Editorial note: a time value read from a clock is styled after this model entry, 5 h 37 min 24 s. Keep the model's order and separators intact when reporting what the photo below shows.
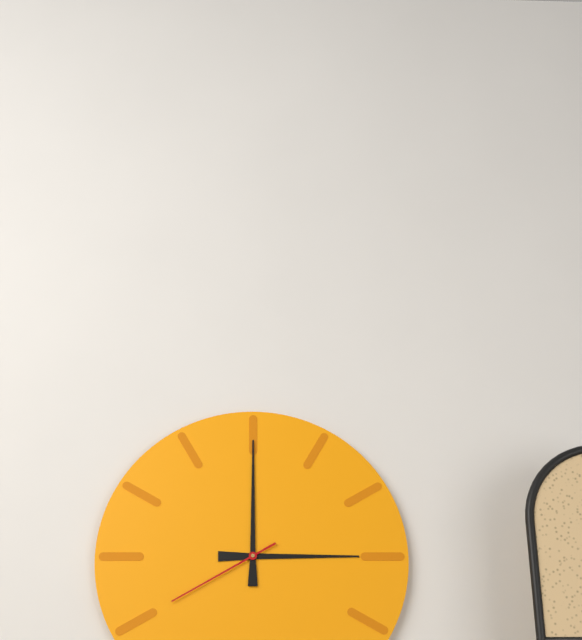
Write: 3 h 00 min 40 s
